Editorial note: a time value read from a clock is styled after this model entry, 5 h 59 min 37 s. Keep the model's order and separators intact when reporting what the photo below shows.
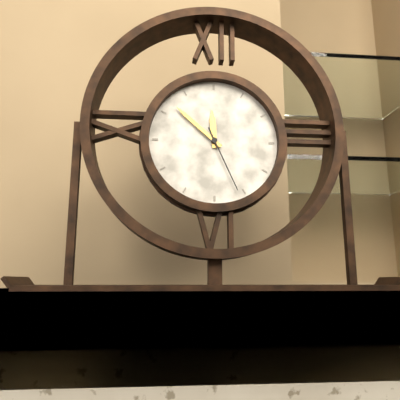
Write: 11 h 52 min 26 s
